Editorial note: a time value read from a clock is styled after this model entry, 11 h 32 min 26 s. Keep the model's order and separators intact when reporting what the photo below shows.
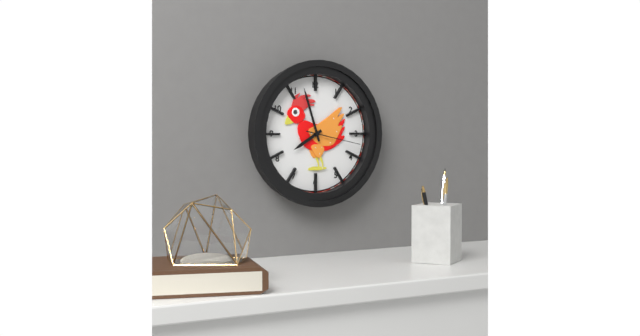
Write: 7 h 57 min 17 s
